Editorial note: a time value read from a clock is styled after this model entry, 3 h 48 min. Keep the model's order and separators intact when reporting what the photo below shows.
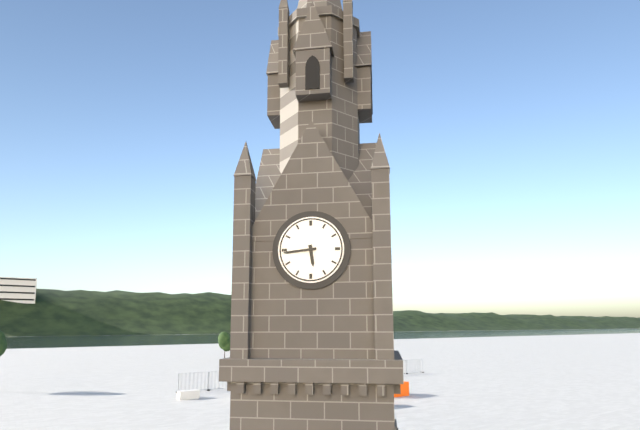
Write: 5 h 44 min
